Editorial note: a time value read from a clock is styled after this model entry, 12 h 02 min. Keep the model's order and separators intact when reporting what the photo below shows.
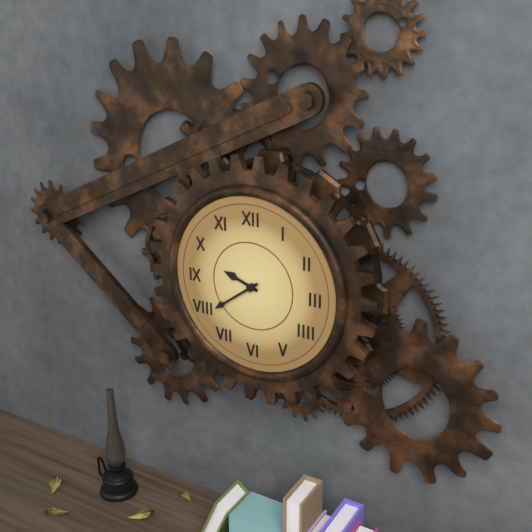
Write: 9 h 39 min
